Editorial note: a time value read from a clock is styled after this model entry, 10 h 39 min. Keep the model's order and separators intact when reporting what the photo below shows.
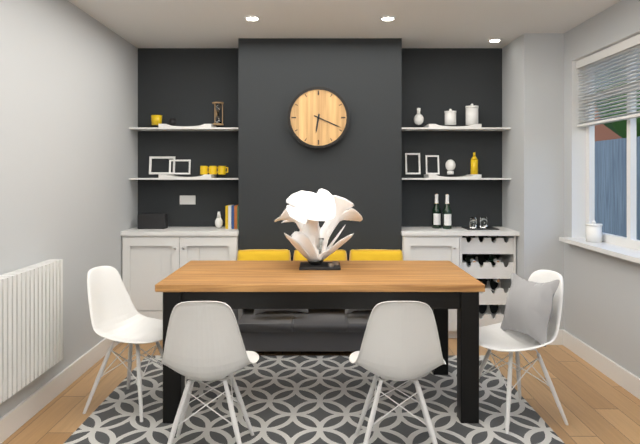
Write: 6 h 19 min
